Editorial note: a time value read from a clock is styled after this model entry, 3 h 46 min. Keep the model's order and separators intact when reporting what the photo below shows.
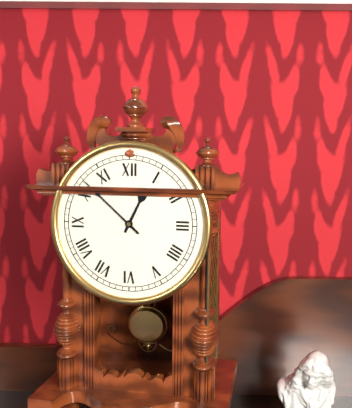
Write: 12 h 52 min
